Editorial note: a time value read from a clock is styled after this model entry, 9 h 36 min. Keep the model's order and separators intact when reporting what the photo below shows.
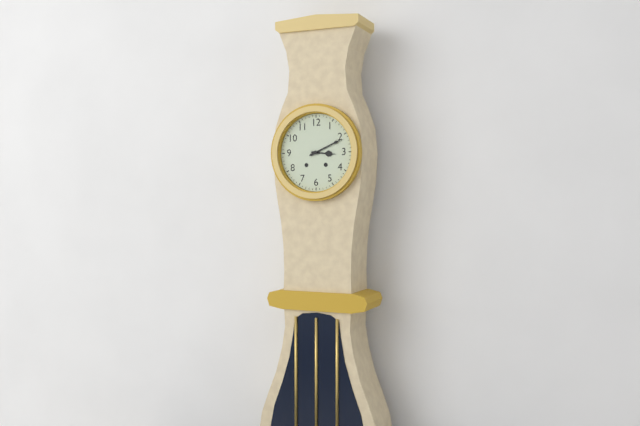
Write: 3 h 11 min
